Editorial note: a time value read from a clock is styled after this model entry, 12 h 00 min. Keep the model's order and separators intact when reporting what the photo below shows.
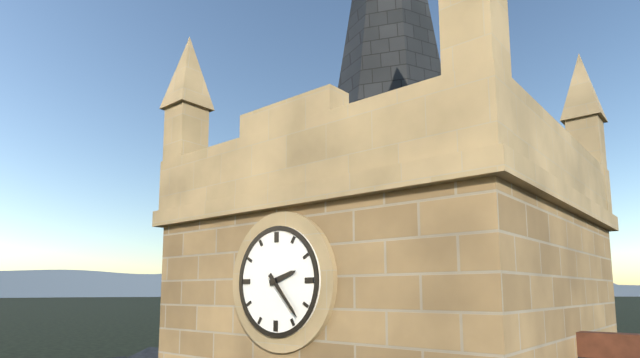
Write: 2 h 23 min
